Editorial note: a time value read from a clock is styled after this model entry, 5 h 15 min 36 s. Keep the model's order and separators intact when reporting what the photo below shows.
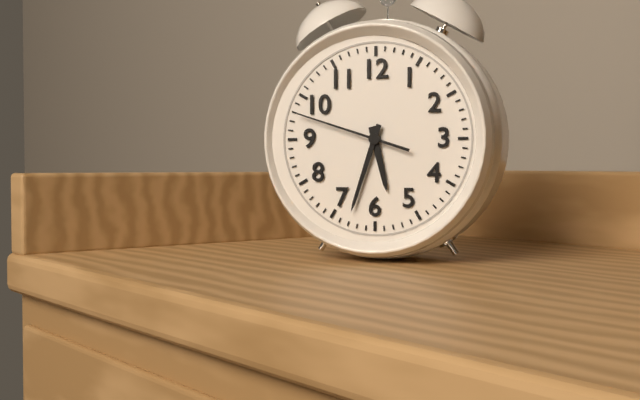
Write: 5 h 33 min 48 s
